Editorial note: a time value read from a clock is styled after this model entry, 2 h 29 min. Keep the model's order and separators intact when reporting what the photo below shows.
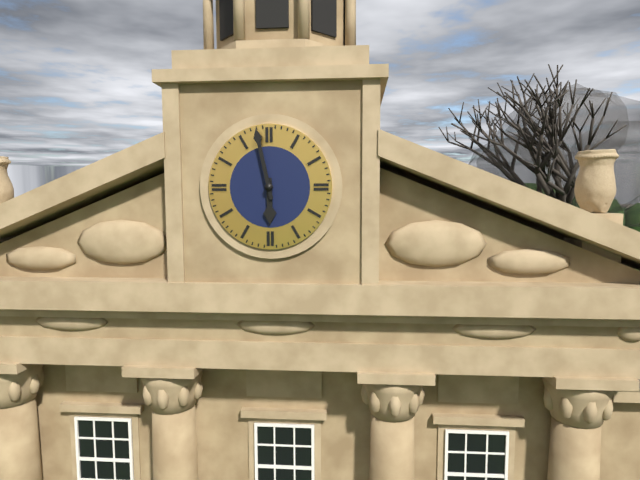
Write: 5 h 58 min
